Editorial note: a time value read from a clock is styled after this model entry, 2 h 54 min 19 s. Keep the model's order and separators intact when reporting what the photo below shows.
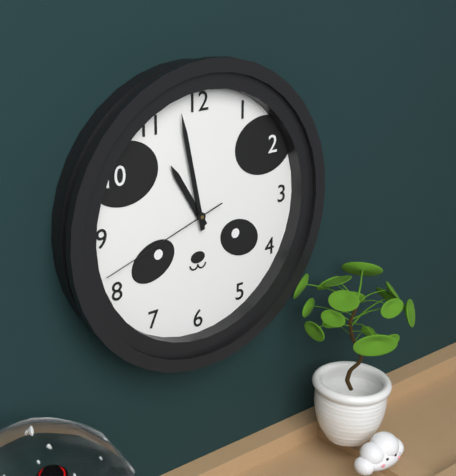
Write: 10 h 58 min 42 s
